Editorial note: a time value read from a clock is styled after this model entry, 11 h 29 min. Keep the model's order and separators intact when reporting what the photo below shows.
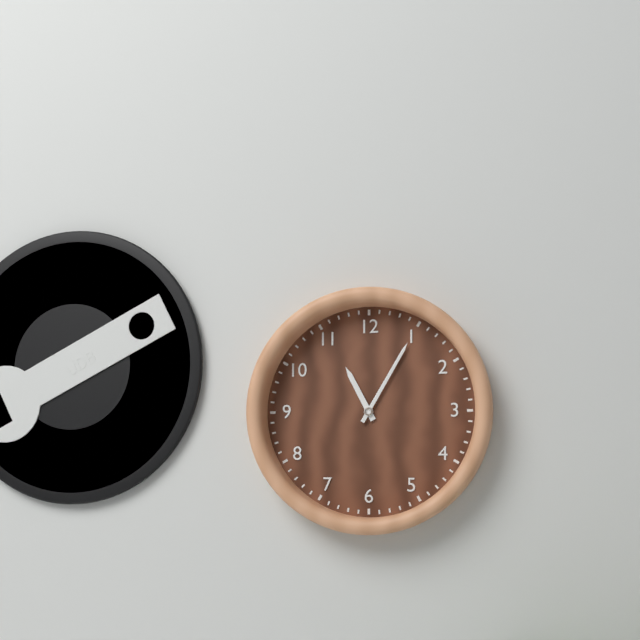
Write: 11 h 05 min
